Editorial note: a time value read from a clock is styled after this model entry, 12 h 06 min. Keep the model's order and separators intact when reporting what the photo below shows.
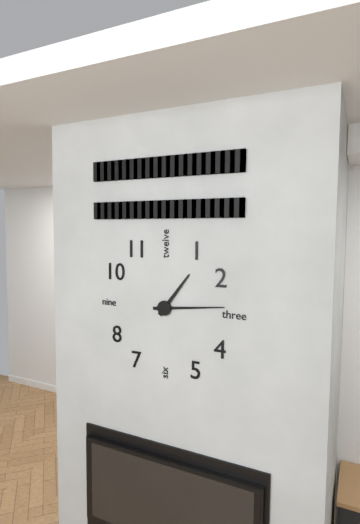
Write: 1 h 14 min
